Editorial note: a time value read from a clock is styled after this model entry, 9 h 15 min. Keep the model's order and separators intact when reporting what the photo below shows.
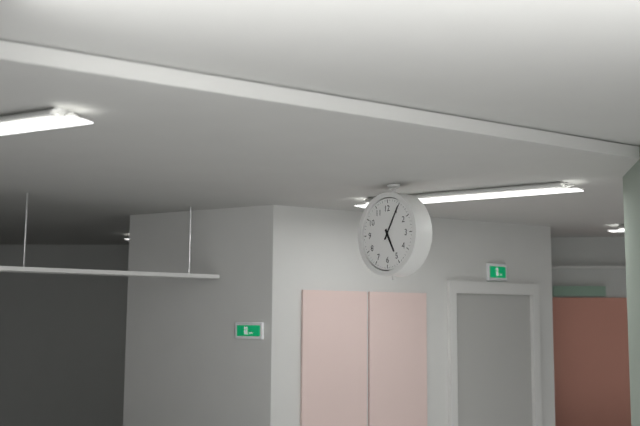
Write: 5 h 05 min
